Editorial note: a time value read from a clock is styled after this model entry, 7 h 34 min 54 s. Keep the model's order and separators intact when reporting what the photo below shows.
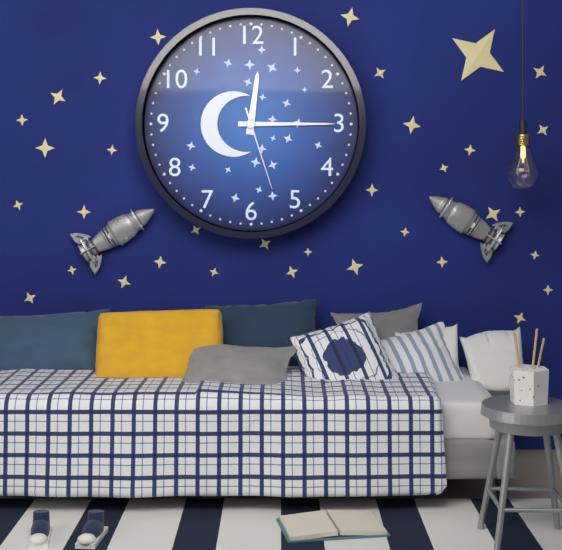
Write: 12 h 15 min 27 s
